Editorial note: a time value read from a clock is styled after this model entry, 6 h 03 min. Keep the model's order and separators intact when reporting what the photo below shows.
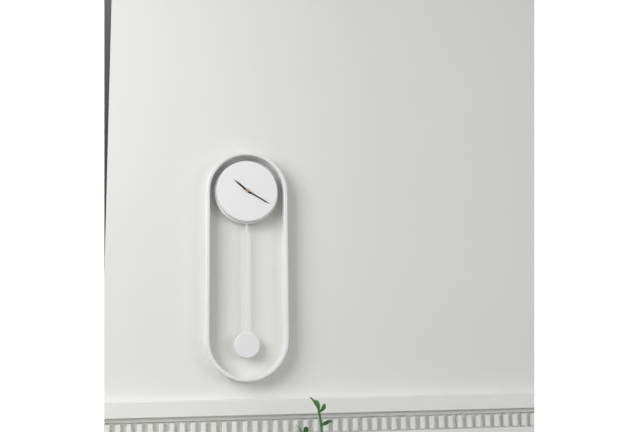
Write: 10 h 20 min
